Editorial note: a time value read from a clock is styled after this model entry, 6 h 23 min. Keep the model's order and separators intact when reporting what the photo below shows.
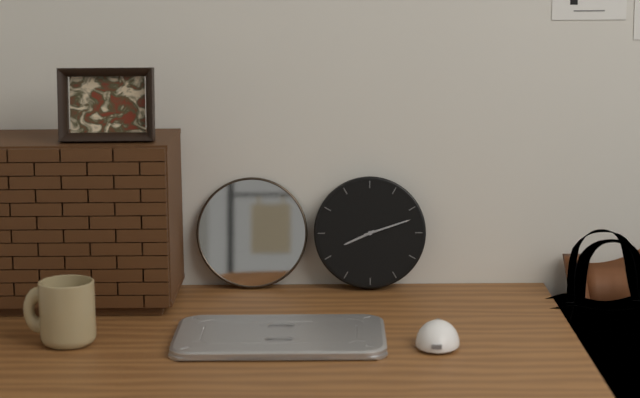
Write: 8 h 12 min
